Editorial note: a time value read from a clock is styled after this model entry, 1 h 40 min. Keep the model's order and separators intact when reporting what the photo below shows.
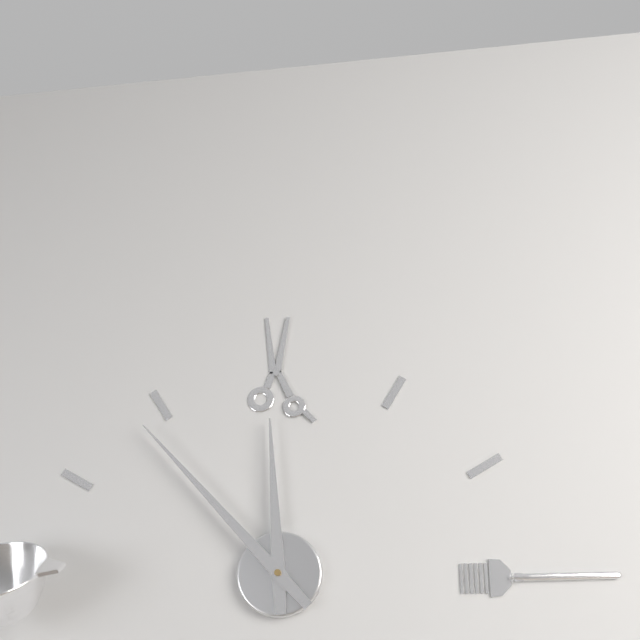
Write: 11 h 53 min
